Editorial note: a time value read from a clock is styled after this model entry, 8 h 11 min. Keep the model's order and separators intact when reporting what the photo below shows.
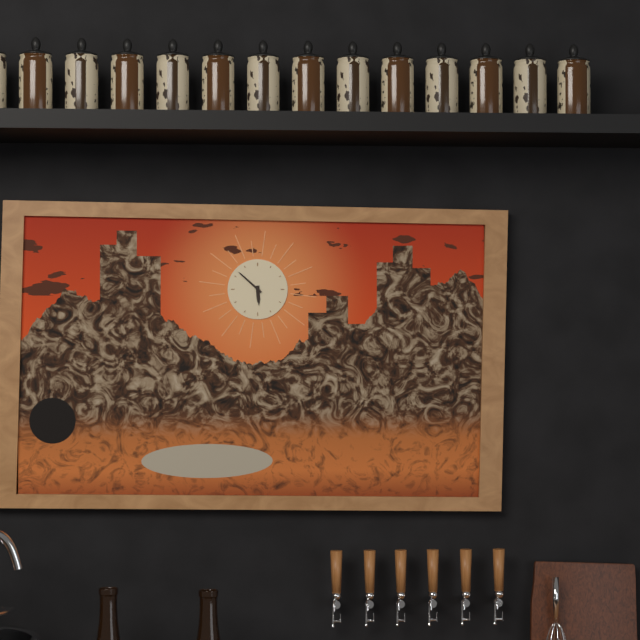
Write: 5 h 52 min
